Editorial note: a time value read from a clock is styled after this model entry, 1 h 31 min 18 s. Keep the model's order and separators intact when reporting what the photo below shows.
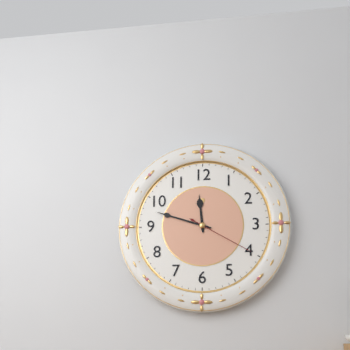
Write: 11 h 48 min 20 s
